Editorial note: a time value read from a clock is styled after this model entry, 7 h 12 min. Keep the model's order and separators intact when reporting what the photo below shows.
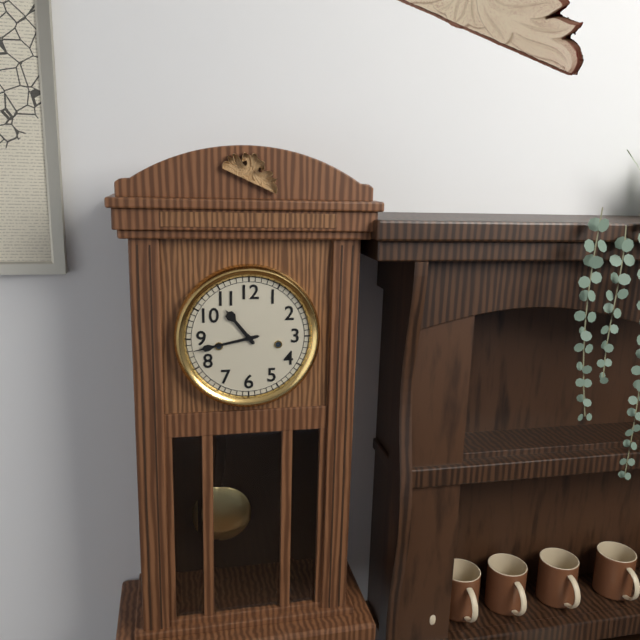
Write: 10 h 43 min
